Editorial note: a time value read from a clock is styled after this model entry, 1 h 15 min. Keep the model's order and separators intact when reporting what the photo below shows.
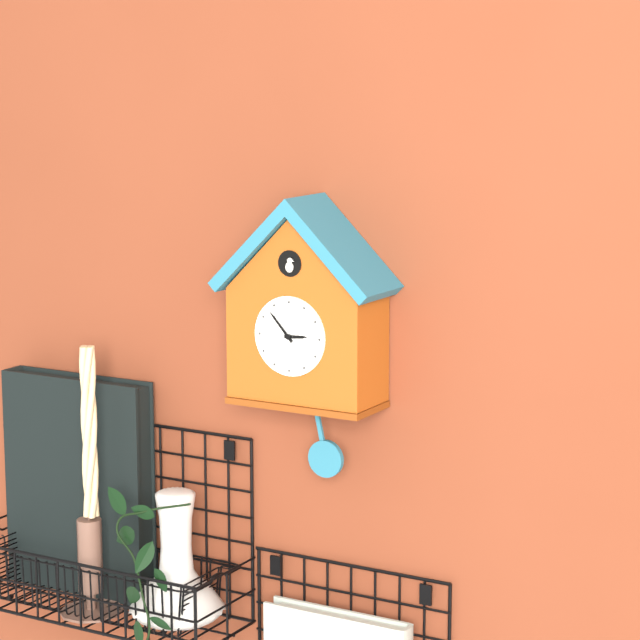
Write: 2 h 53 min
